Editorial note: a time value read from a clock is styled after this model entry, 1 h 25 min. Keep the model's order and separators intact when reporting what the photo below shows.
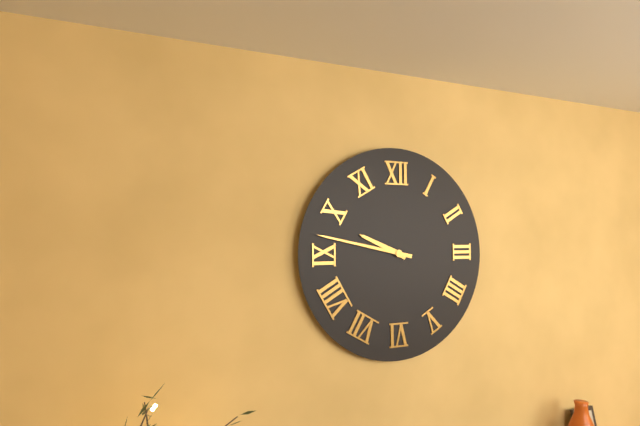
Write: 9 h 47 min
